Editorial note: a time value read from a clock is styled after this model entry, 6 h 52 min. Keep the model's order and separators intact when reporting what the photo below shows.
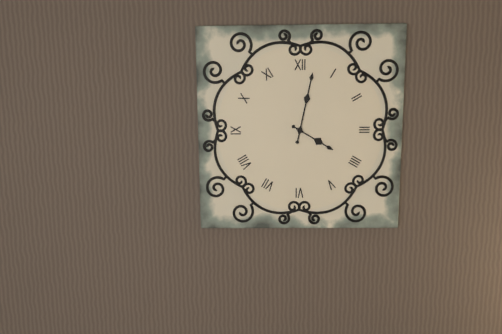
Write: 4 h 02 min
